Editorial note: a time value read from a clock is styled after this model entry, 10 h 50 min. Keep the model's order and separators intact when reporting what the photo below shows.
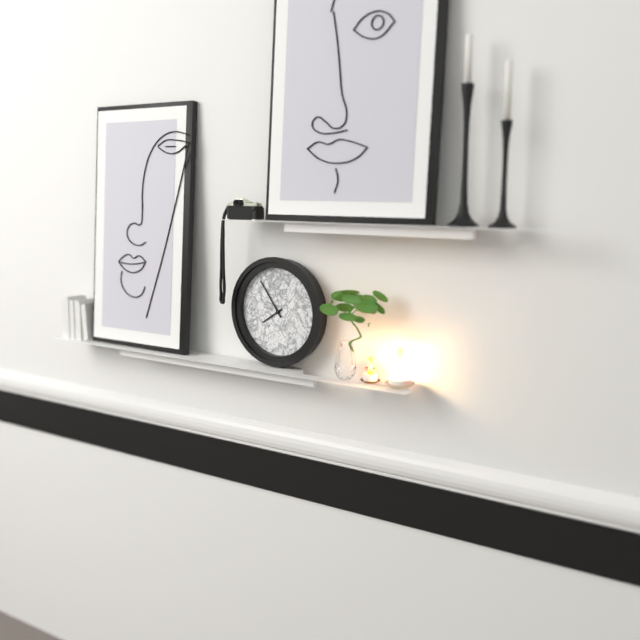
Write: 7 h 54 min
